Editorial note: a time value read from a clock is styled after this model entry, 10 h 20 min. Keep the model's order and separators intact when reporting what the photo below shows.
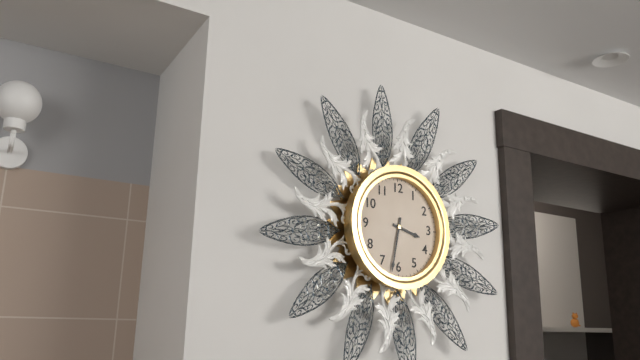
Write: 3 h 32 min
